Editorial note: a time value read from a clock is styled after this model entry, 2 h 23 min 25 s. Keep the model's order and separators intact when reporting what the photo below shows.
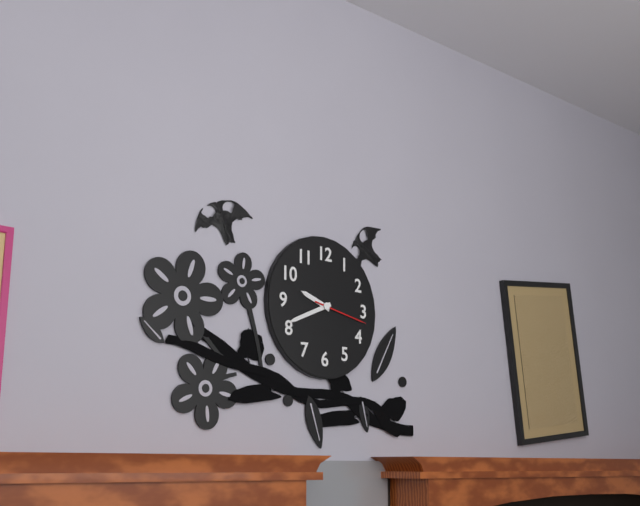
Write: 9 h 41 min 17 s
